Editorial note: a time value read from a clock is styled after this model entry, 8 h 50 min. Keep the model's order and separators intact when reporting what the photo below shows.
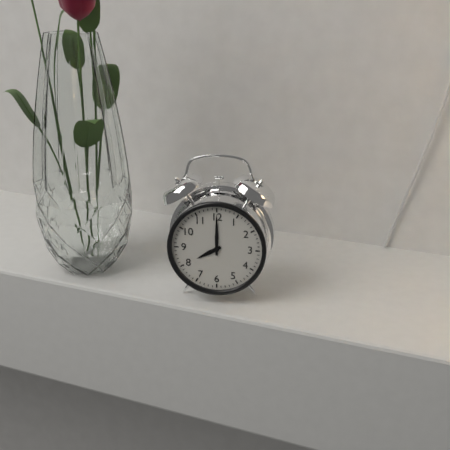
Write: 8 h 00 min
